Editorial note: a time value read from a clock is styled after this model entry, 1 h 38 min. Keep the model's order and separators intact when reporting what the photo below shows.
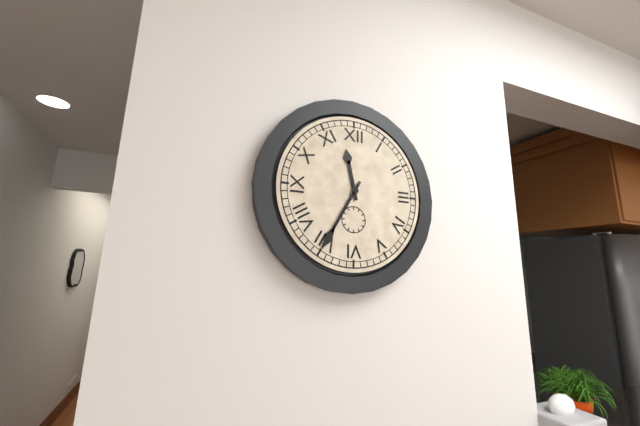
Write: 11 h 35 min
